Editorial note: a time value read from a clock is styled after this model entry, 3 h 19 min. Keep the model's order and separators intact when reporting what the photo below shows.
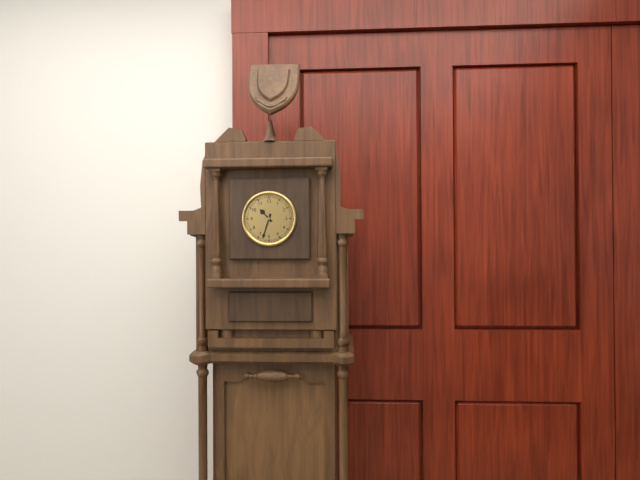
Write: 10 h 33 min
